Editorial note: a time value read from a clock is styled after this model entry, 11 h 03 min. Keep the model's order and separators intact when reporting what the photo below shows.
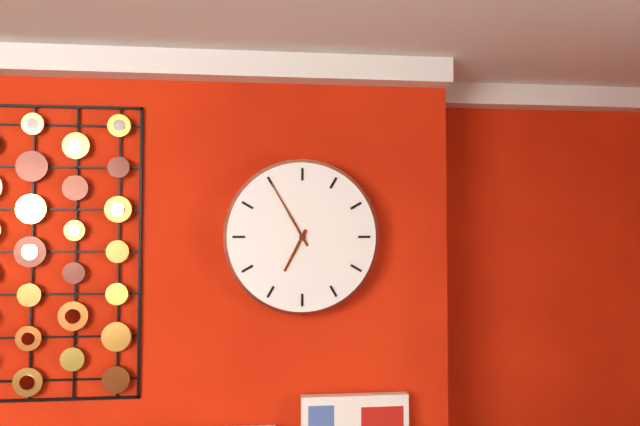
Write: 6 h 55 min
